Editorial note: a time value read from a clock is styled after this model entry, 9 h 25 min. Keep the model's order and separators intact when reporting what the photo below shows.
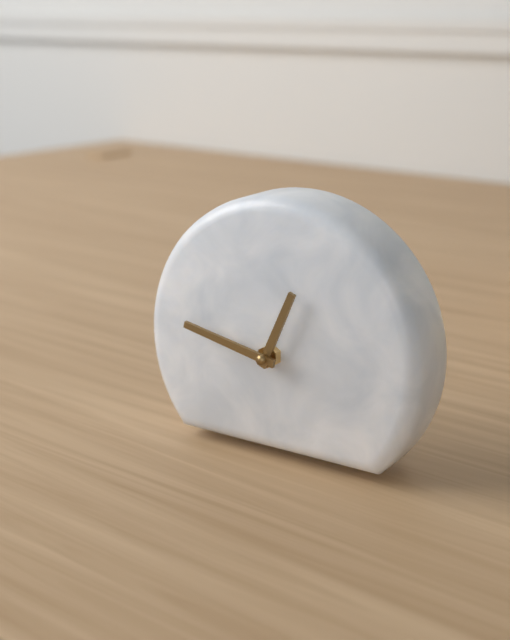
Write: 12 h 47 min
